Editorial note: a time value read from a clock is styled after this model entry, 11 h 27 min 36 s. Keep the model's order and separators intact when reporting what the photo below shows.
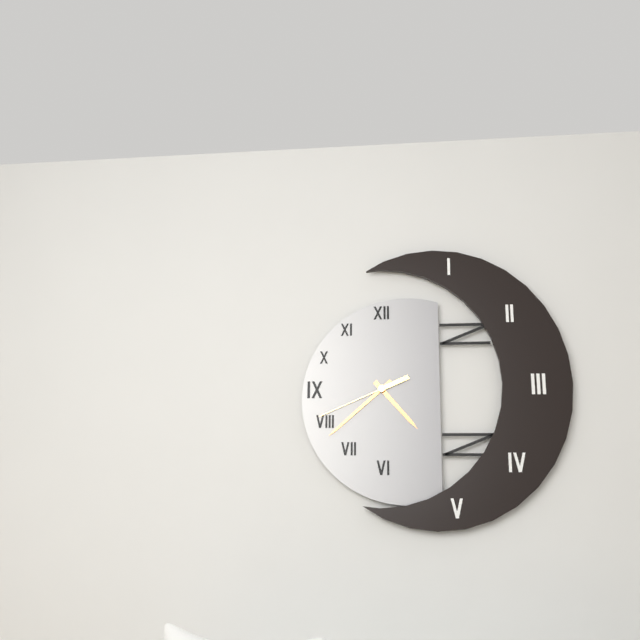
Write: 4 h 38 min 41 s
